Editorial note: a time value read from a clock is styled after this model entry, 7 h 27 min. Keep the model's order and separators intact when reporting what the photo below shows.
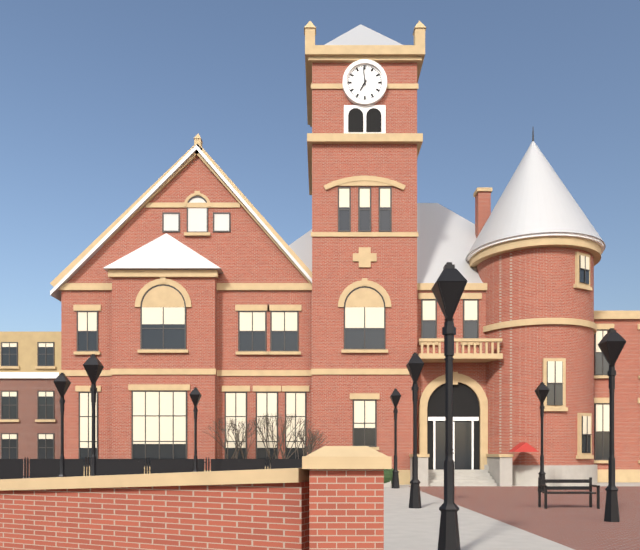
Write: 6 h 59 min
